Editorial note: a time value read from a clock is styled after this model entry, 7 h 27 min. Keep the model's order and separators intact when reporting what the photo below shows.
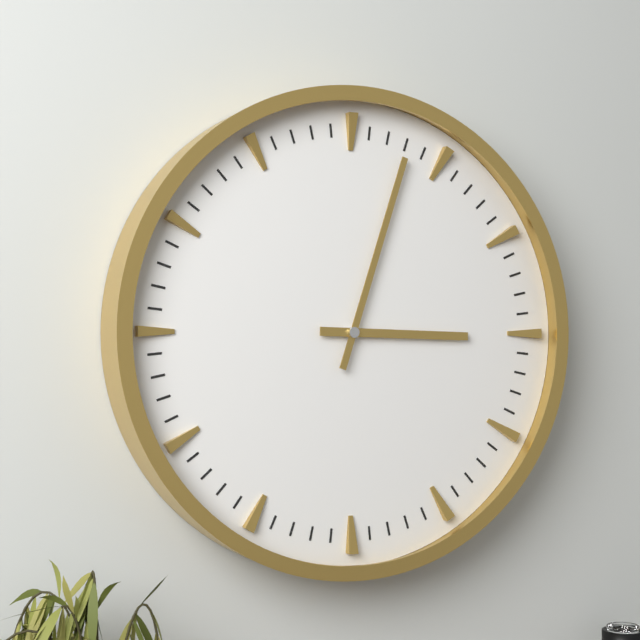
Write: 3 h 03 min
